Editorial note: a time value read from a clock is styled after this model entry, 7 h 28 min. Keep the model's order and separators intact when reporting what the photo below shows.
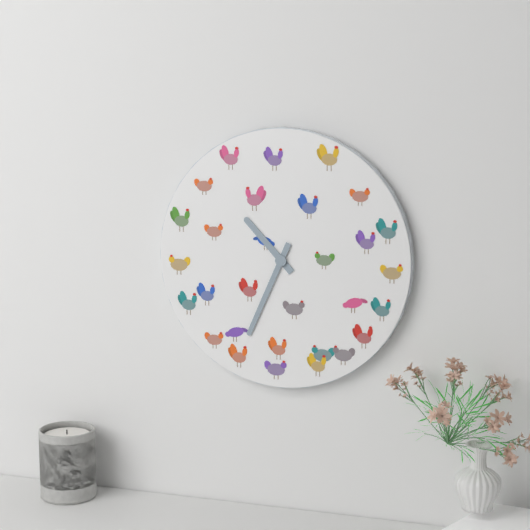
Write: 10 h 34 min
